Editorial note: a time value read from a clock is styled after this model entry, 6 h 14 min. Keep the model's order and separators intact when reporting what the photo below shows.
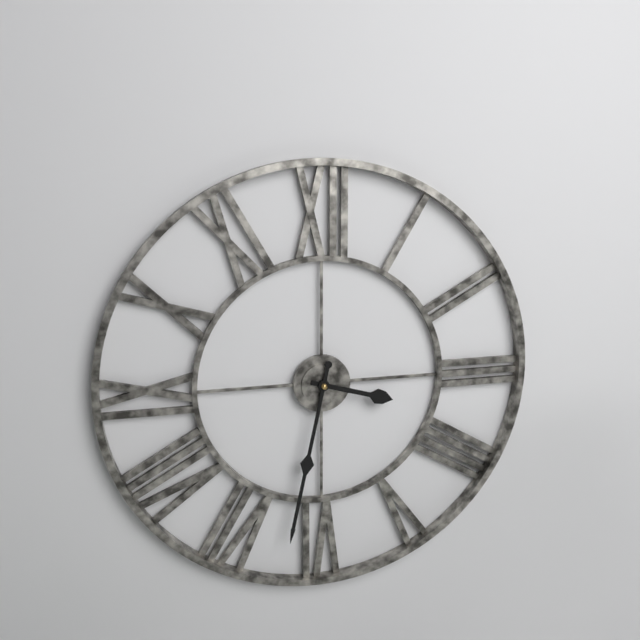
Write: 3 h 32 min
